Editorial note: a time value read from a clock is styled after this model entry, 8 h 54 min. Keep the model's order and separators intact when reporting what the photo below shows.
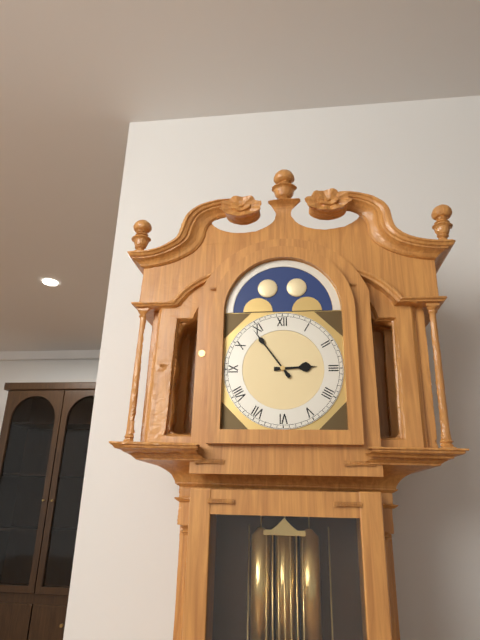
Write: 2 h 54 min
